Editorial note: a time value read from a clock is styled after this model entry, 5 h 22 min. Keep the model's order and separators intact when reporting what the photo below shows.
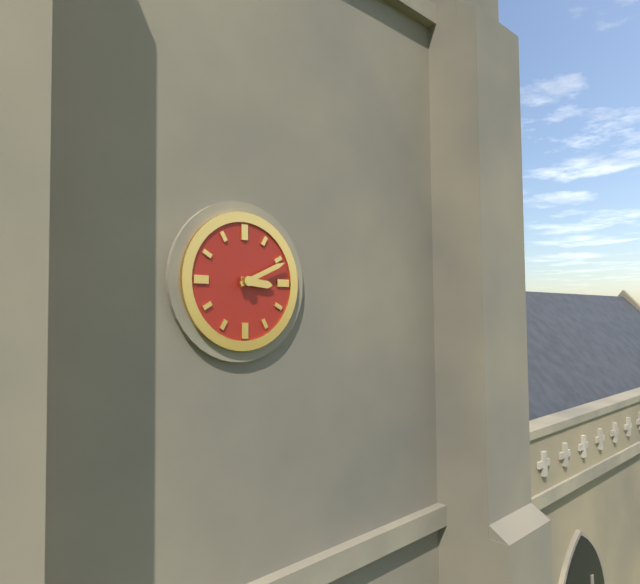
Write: 3 h 11 min
